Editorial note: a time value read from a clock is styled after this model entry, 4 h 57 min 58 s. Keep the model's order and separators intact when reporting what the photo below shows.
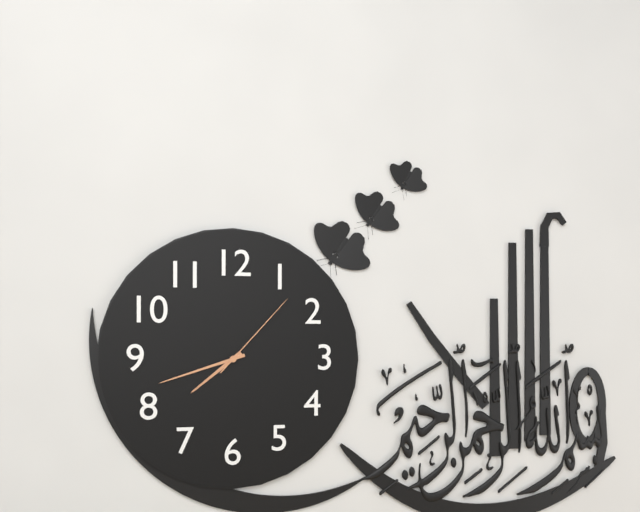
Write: 7 h 42 min 07 s
